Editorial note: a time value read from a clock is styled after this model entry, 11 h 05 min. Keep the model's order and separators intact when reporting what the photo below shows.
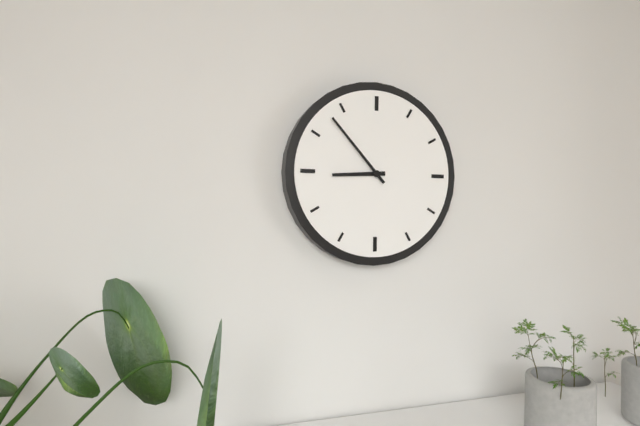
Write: 8 h 53 min
